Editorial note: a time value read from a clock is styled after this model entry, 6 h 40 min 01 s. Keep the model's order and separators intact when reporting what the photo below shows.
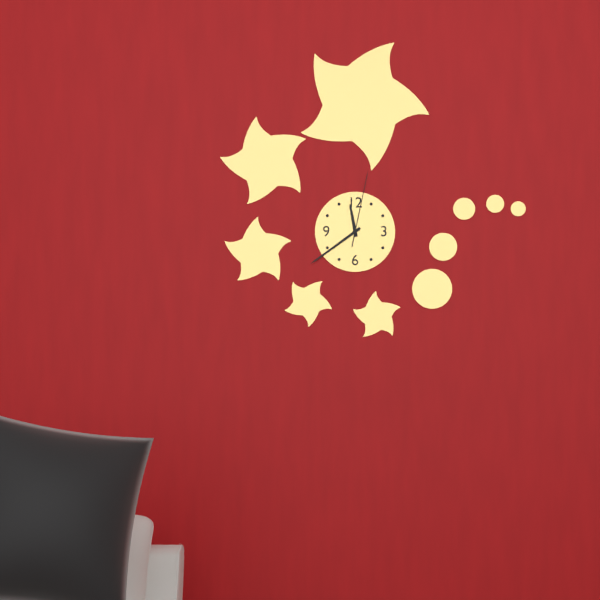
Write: 11 h 39 min 02 s
